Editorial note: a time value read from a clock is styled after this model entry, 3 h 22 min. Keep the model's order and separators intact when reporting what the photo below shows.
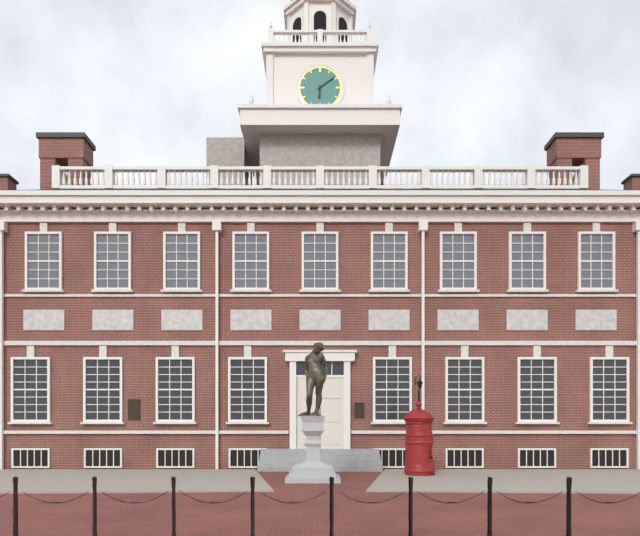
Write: 6 h 09 min
